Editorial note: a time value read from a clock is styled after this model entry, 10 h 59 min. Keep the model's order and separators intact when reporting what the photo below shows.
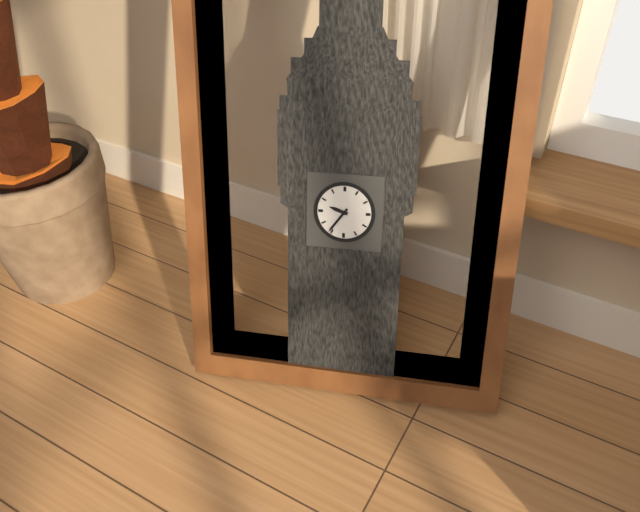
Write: 9 h 36 min
